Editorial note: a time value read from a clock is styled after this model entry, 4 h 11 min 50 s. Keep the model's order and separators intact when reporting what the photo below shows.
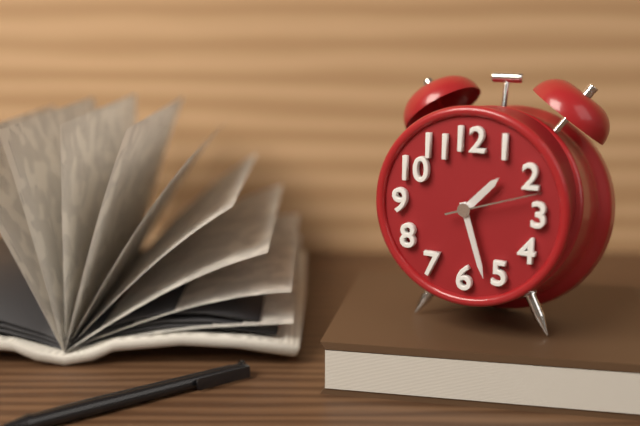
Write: 1 h 27 min 12 s
